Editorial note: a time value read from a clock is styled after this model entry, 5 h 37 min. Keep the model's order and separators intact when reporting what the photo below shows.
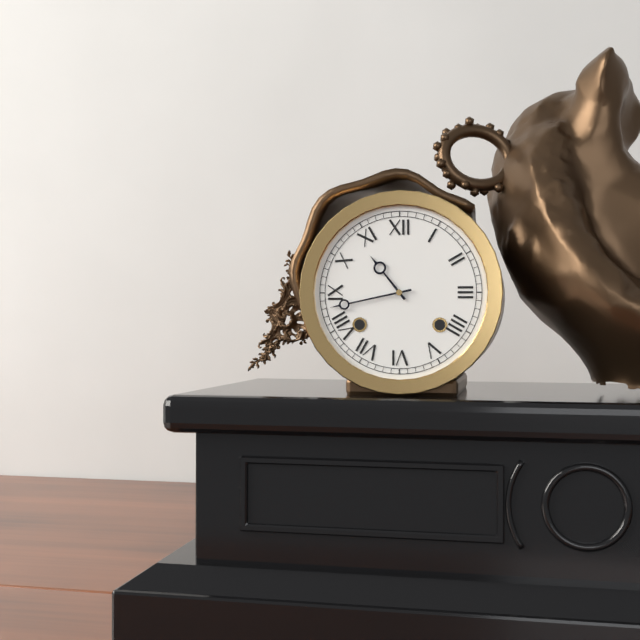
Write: 10 h 43 min
